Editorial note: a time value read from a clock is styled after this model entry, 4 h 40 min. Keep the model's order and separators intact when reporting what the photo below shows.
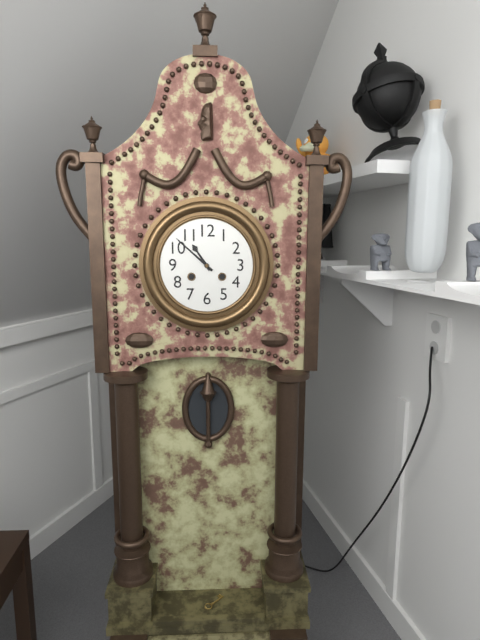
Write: 10 h 52 min
